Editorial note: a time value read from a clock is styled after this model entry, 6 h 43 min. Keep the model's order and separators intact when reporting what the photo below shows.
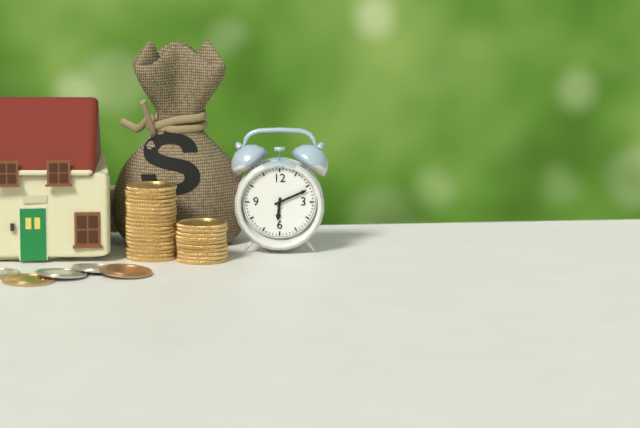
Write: 6 h 11 min
